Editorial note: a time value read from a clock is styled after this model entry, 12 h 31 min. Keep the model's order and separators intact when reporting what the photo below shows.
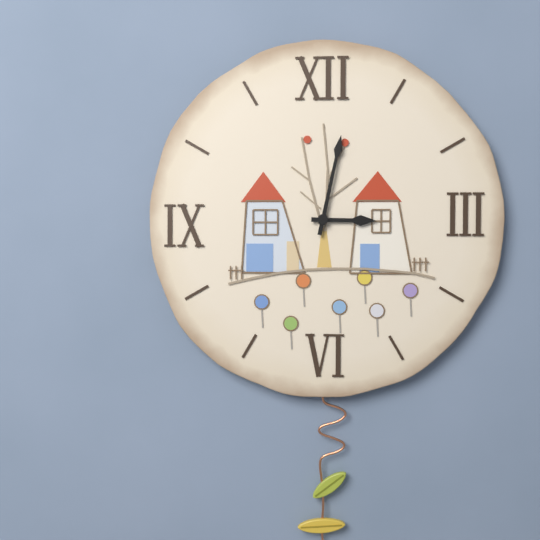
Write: 3 h 02 min
